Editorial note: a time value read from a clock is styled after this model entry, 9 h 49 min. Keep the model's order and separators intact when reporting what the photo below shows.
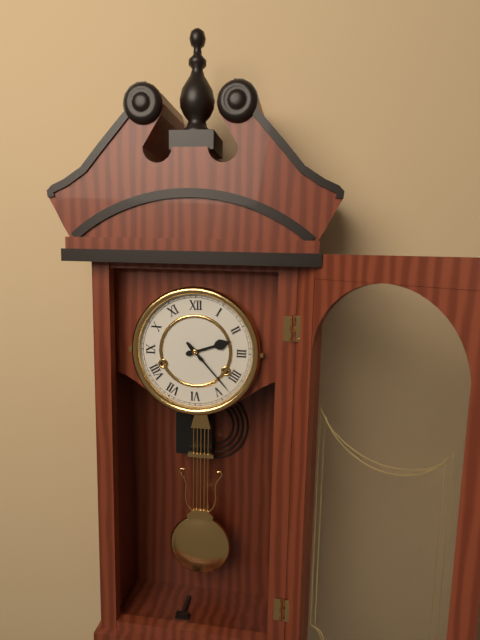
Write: 2 h 23 min
